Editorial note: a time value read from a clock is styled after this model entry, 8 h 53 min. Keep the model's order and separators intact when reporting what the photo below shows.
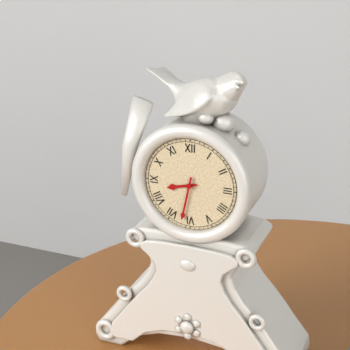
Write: 8 h 32 min
